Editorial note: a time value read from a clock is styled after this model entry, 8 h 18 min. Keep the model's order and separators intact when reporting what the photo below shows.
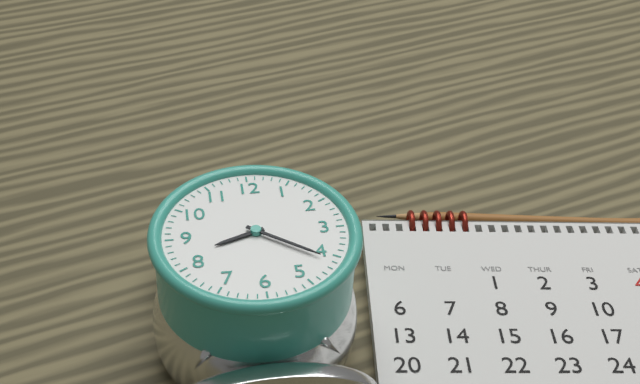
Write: 8 h 21 min
